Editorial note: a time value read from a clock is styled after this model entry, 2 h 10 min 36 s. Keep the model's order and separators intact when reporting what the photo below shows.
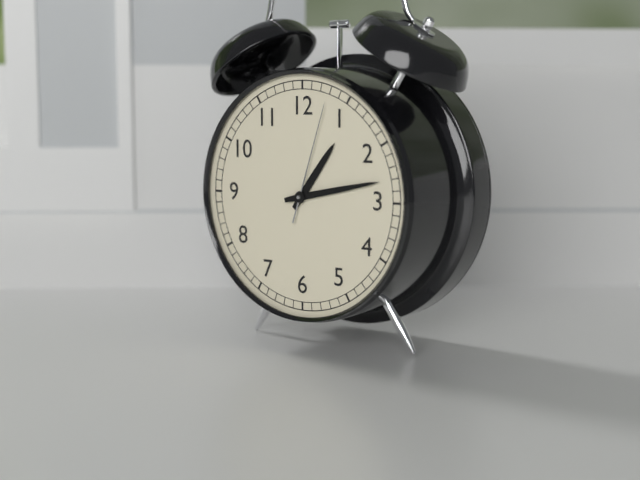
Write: 1 h 13 min 03 s
